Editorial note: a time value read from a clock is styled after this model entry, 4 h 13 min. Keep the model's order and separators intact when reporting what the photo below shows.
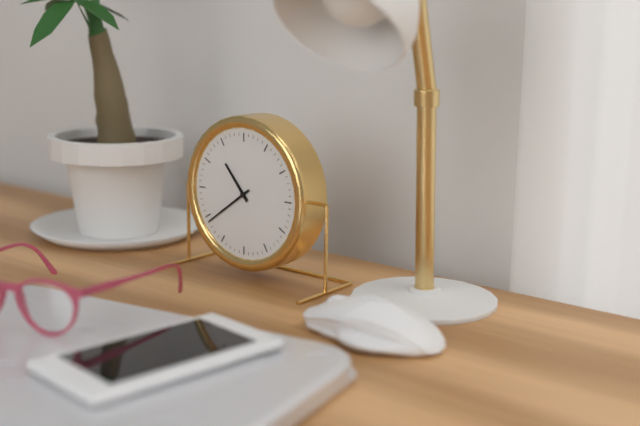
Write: 10 h 39 min
